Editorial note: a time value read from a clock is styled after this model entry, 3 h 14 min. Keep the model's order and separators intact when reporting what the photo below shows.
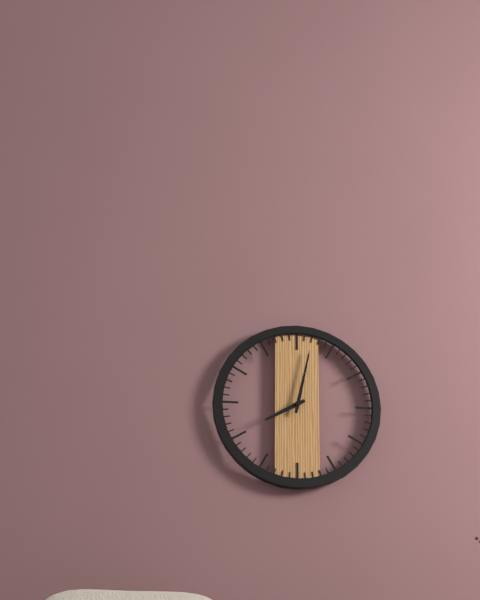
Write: 8 h 02 min
